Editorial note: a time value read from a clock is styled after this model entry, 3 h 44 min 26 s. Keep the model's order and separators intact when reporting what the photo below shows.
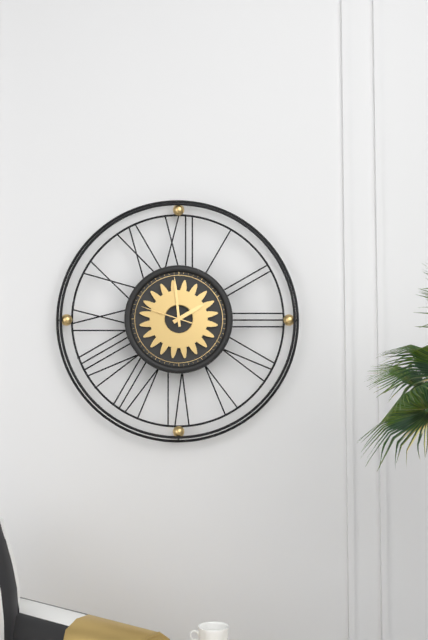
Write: 1 h 59 min 48 s
